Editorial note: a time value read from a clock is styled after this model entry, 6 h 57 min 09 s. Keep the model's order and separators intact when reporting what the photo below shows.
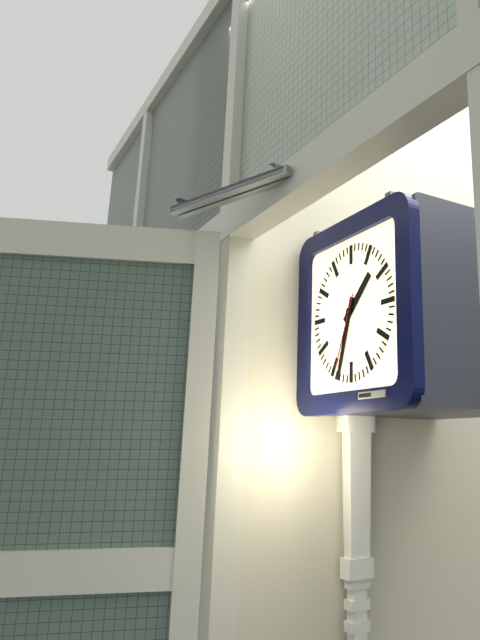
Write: 1 h 33 min 34 s
